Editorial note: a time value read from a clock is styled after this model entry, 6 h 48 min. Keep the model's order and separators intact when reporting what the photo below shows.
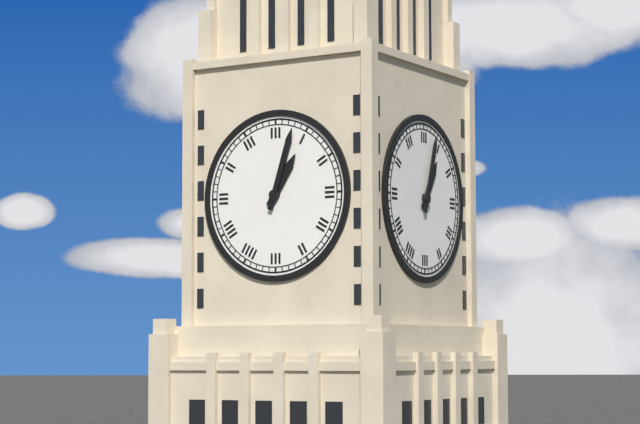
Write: 1 h 03 min
